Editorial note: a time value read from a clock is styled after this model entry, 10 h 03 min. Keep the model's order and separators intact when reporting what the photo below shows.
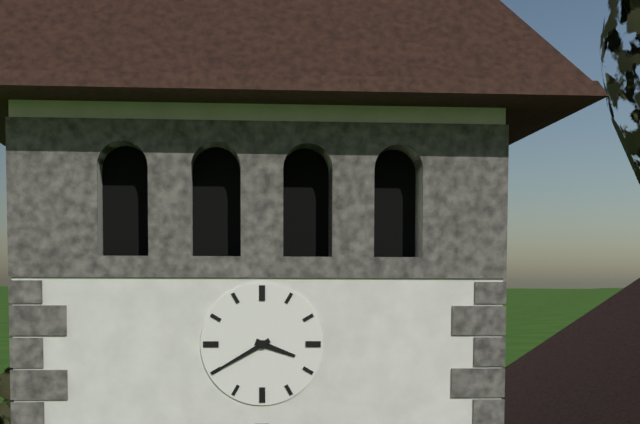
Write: 3 h 40 min
